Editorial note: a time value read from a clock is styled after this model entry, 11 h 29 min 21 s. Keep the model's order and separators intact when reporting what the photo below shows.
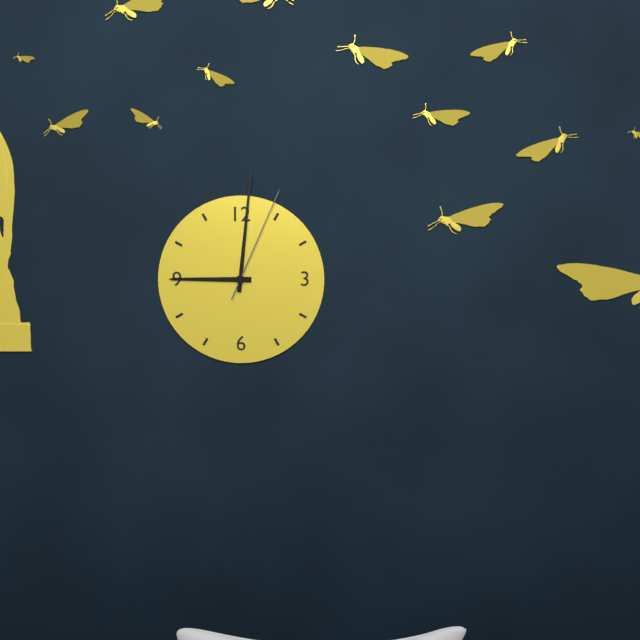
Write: 9 h 01 min 04 s
